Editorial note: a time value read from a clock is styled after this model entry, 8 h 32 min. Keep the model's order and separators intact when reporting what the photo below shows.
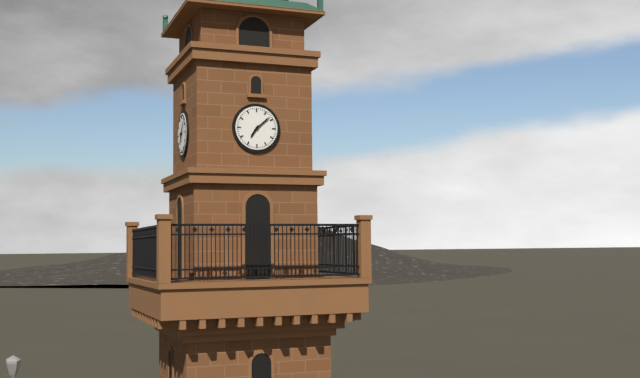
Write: 7 h 08 min
